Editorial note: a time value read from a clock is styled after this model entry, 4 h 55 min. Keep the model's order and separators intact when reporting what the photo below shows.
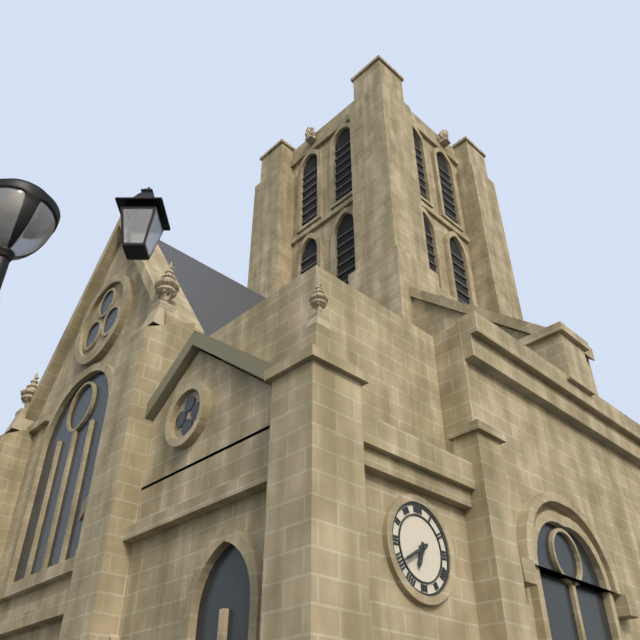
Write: 6 h 40 min
